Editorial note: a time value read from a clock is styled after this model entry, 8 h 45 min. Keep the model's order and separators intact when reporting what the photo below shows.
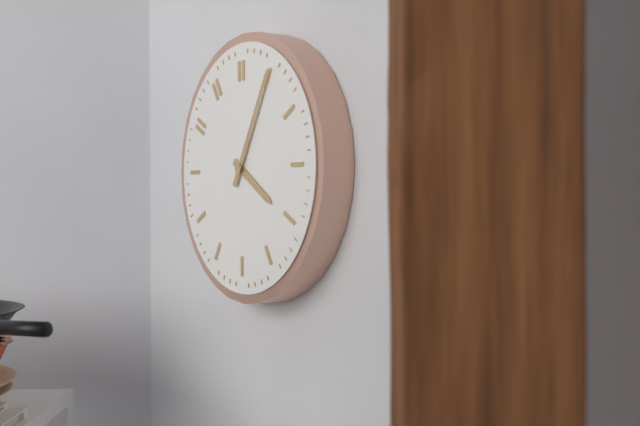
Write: 4 h 05 min
